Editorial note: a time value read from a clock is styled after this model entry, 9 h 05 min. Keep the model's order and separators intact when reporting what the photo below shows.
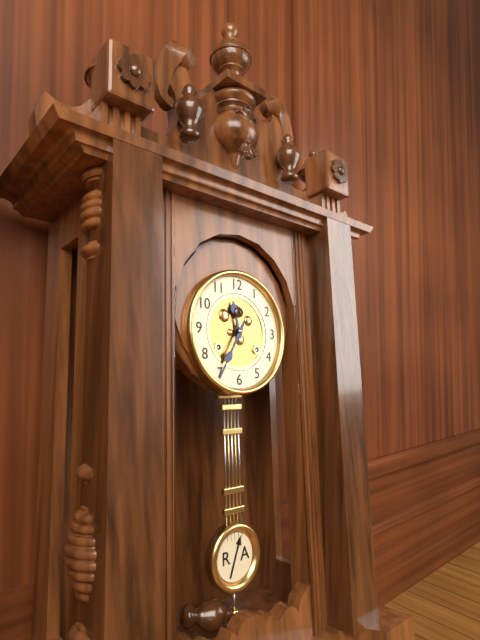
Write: 11 h 35 min
